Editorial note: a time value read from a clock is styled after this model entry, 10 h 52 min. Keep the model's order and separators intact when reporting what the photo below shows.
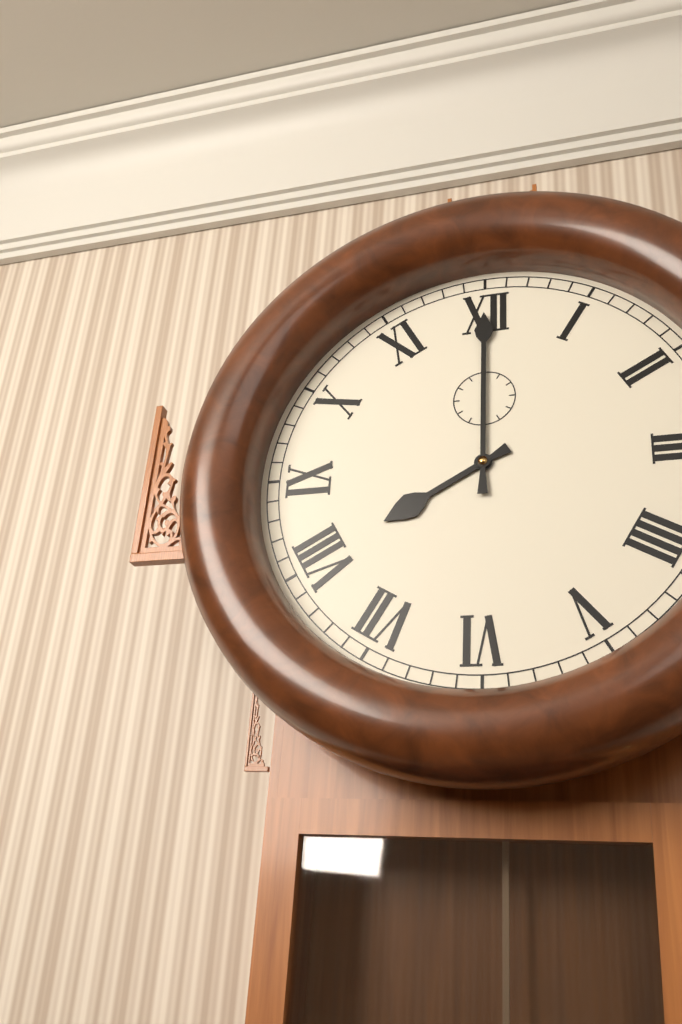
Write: 8 h 00 min
